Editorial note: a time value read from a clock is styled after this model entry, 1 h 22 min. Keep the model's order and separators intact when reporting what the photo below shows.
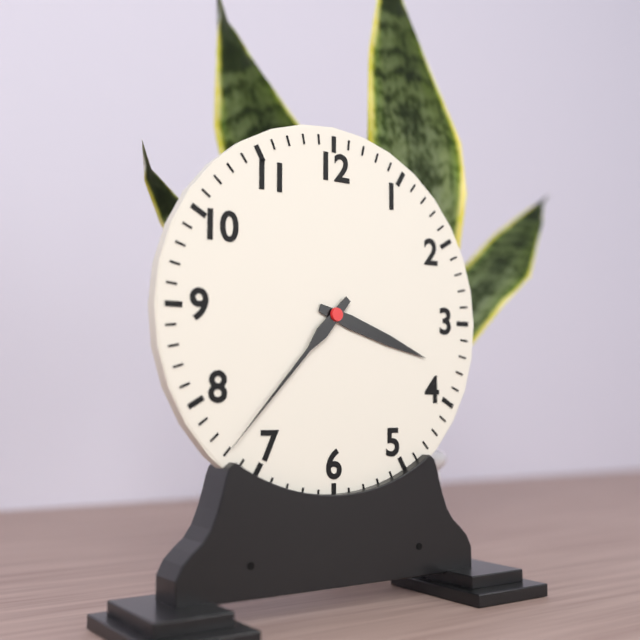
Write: 3 h 37 min
